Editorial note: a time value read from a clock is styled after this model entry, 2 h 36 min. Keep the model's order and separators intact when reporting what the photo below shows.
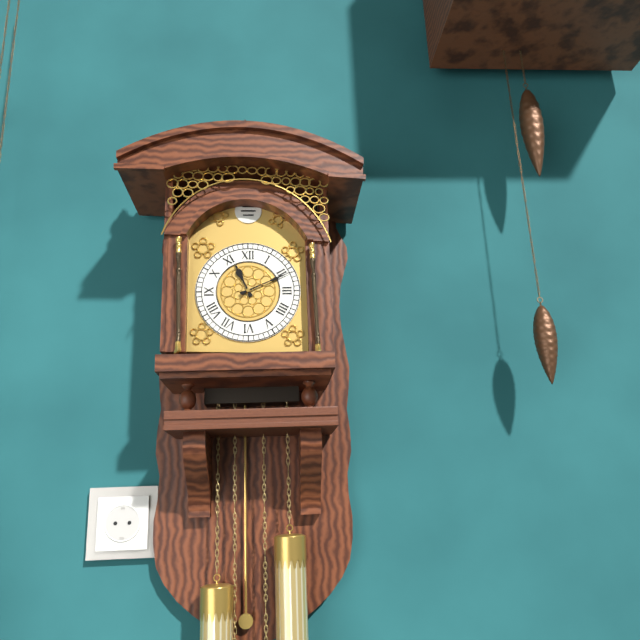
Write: 11 h 11 min
